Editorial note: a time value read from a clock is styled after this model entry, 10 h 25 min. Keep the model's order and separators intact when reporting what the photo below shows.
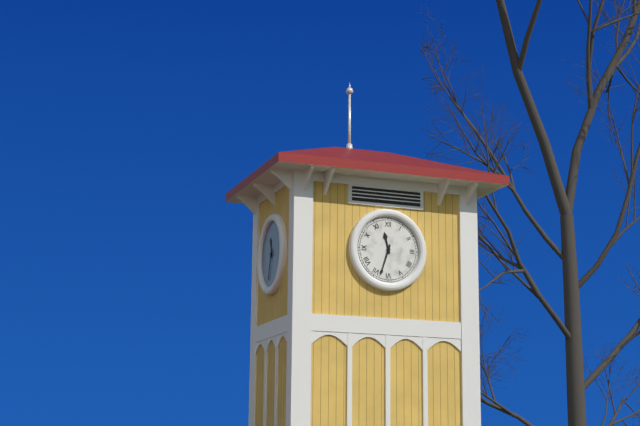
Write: 11 h 33 min
